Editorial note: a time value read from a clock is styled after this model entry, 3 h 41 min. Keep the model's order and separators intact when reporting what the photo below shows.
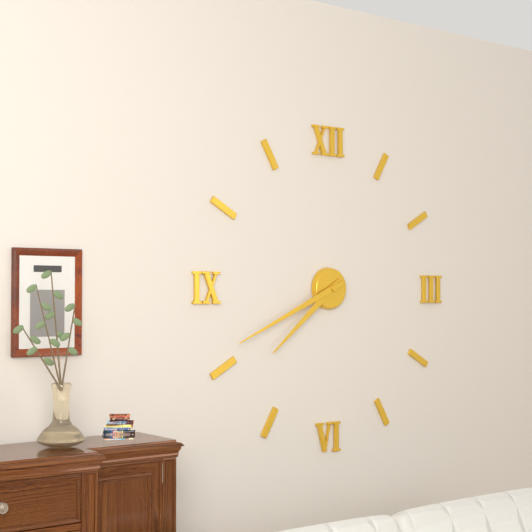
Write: 7 h 41 min
